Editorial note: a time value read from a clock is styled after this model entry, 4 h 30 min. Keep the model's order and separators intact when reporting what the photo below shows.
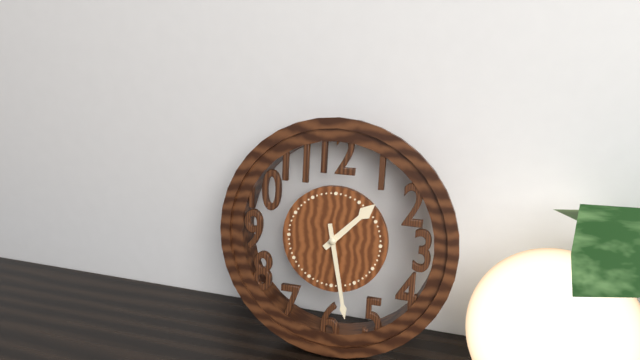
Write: 1 h 28 min
